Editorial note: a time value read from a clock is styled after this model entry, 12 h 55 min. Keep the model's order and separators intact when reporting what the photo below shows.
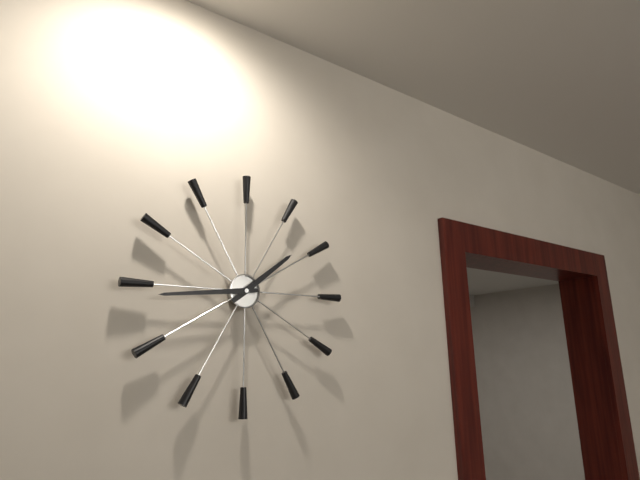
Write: 1 h 44 min
